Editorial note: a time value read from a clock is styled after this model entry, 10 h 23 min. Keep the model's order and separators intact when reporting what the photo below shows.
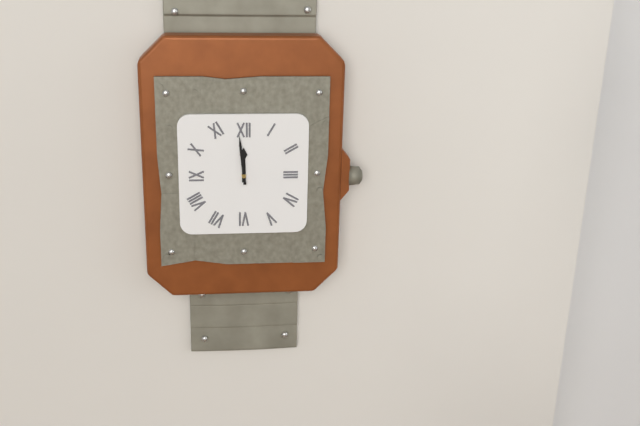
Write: 11 h 59 min
